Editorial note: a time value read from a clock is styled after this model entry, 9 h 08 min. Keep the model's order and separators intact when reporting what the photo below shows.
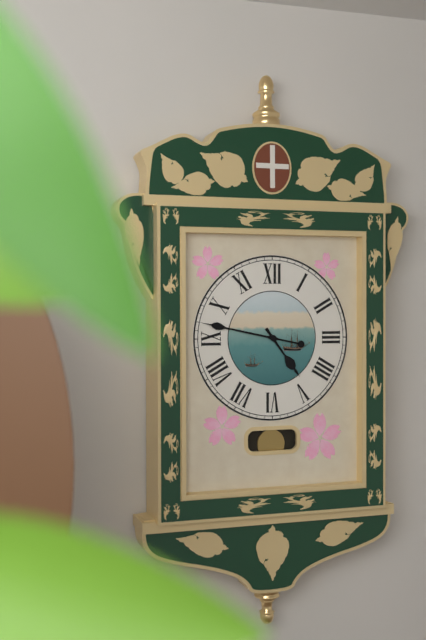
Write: 4 h 47 min
